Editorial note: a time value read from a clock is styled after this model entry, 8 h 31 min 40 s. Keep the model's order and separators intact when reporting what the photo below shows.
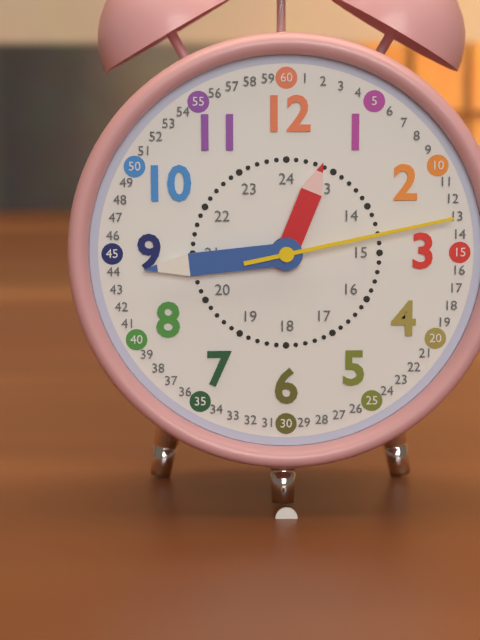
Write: 12 h 44 min 13 s
